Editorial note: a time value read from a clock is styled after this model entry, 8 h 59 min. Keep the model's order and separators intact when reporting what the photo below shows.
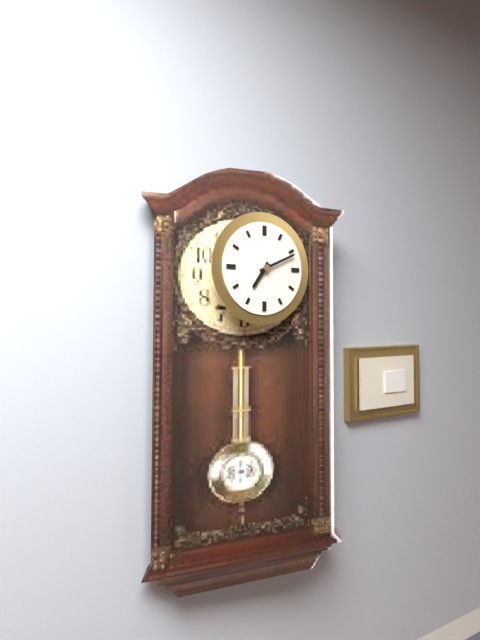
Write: 7 h 11 min
